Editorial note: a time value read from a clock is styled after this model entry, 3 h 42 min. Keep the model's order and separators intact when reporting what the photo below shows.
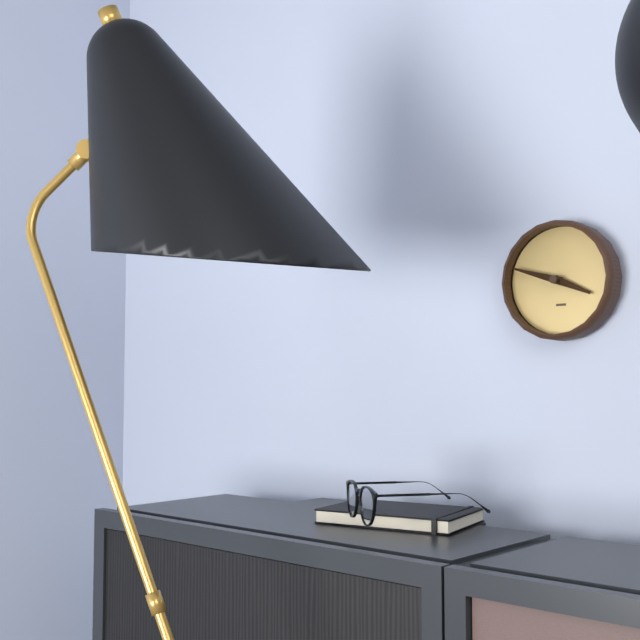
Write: 3 h 48 min
